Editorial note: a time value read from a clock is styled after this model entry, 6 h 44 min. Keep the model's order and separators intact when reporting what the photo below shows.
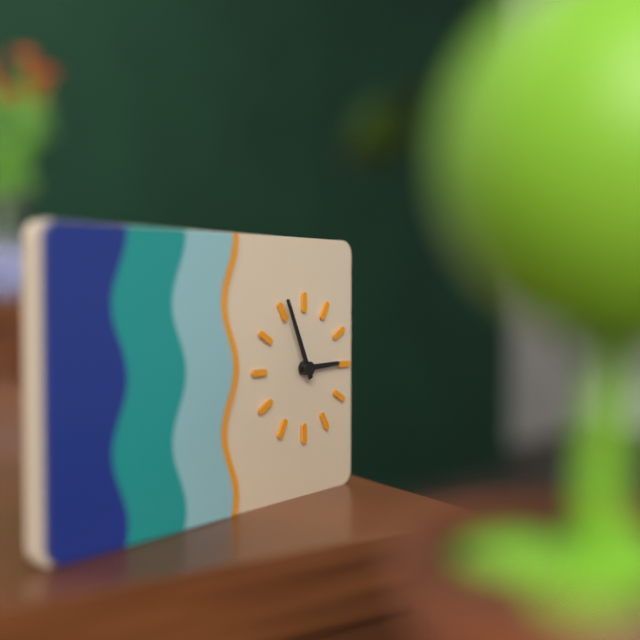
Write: 2 h 56 min
